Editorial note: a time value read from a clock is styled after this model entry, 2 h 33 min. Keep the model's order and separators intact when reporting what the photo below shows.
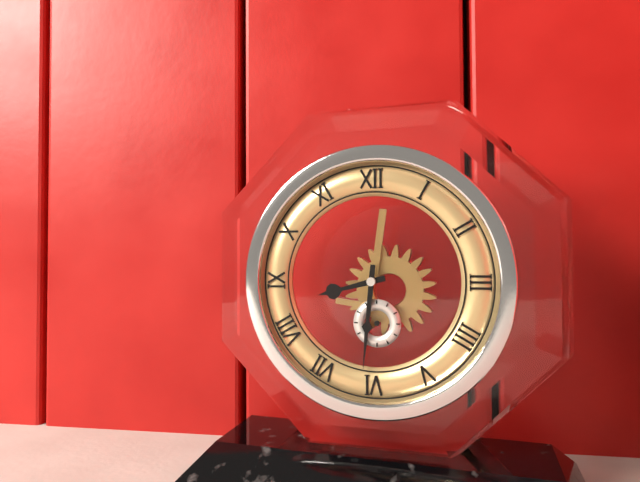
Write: 8 h 31 min
